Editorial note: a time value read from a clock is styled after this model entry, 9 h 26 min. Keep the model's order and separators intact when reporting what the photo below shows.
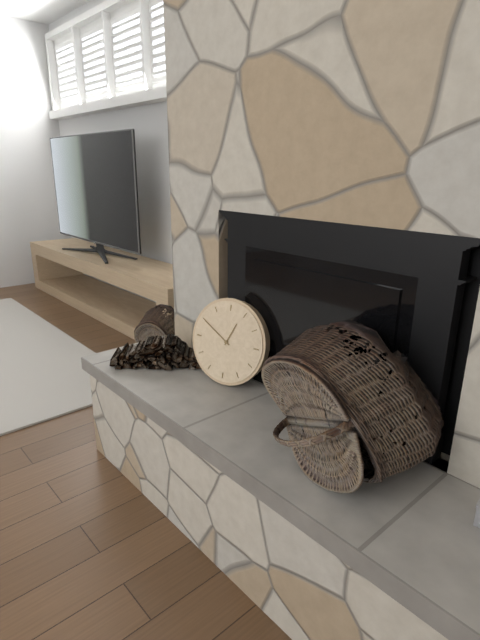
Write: 12 h 50 min
